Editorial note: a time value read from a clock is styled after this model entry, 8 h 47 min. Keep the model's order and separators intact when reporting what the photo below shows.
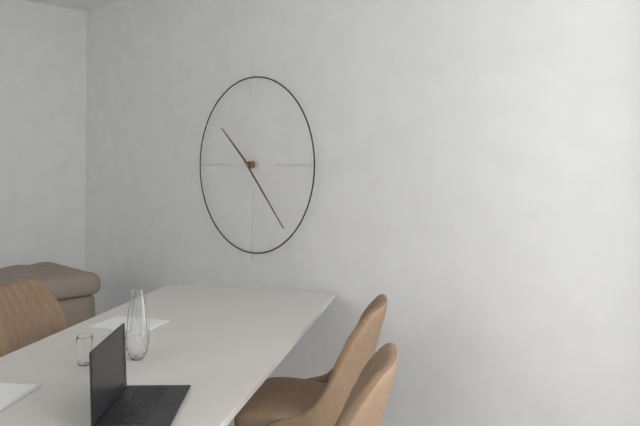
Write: 10 h 23 min
